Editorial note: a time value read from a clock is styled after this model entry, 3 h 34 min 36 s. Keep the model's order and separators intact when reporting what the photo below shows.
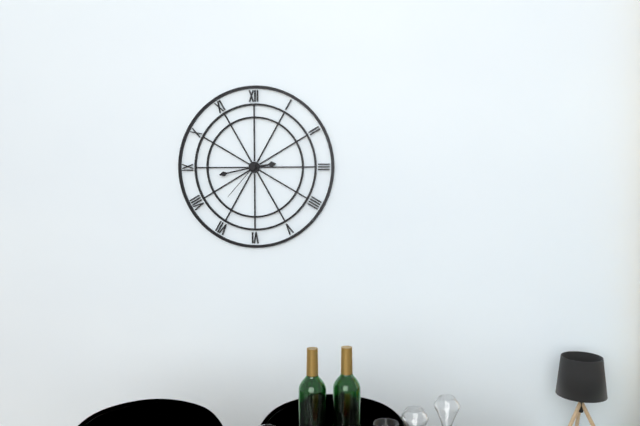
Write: 2 h 43 min 37 s
